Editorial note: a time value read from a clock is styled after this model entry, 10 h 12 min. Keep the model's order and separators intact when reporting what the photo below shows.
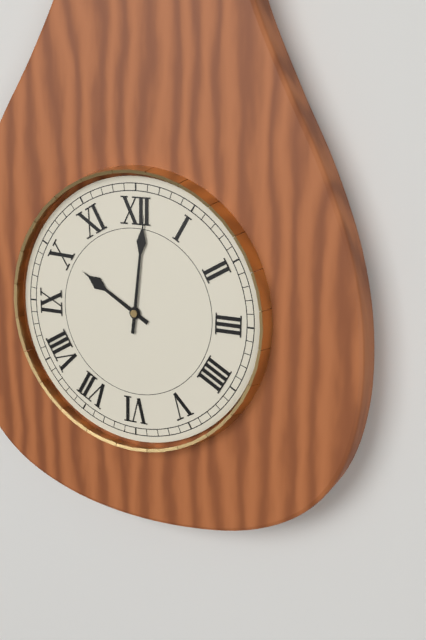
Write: 10 h 01 min
